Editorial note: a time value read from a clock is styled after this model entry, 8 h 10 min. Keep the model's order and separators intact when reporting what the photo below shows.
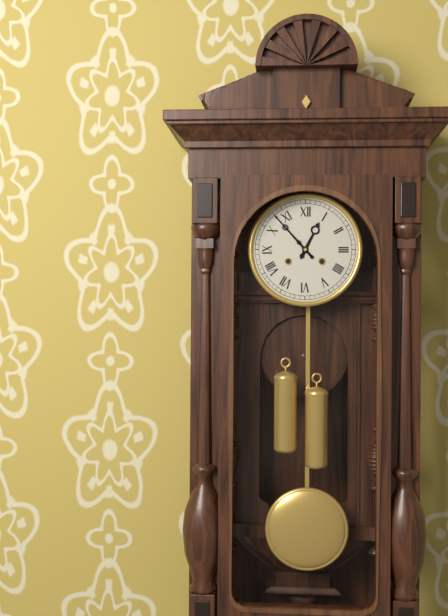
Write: 12 h 53 min
